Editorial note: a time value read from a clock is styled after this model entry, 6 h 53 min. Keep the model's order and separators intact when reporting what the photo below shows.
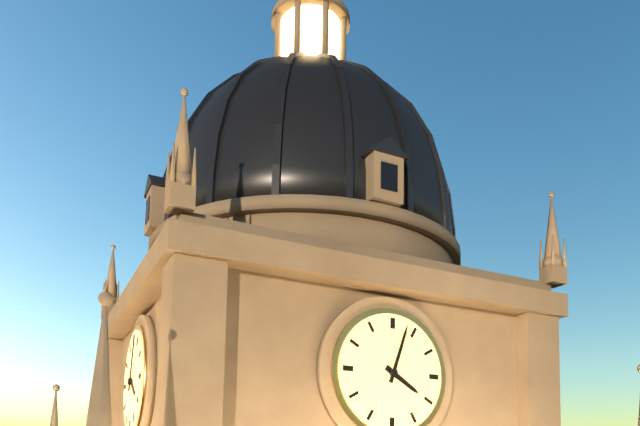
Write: 4 h 03 min
